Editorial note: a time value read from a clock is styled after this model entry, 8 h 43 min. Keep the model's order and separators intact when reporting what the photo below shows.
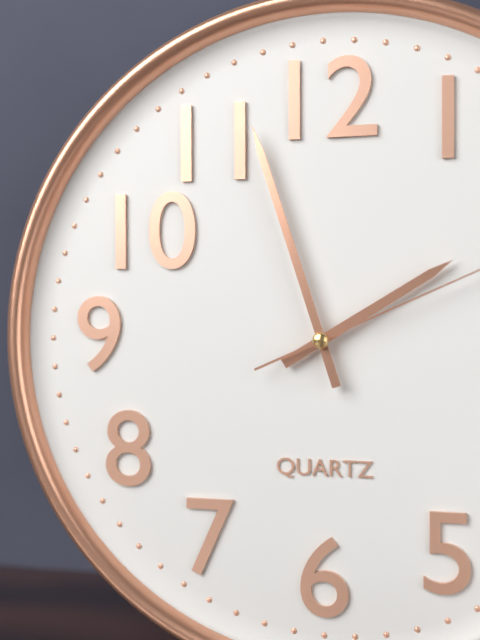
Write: 1 h 57 min
